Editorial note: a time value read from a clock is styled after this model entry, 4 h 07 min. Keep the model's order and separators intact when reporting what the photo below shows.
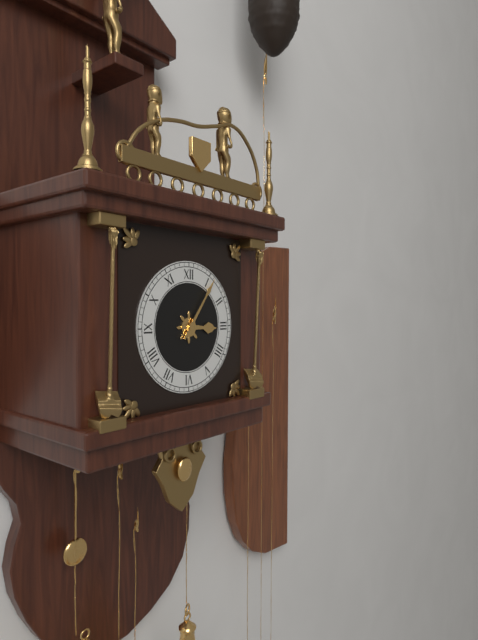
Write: 3 h 06 min
